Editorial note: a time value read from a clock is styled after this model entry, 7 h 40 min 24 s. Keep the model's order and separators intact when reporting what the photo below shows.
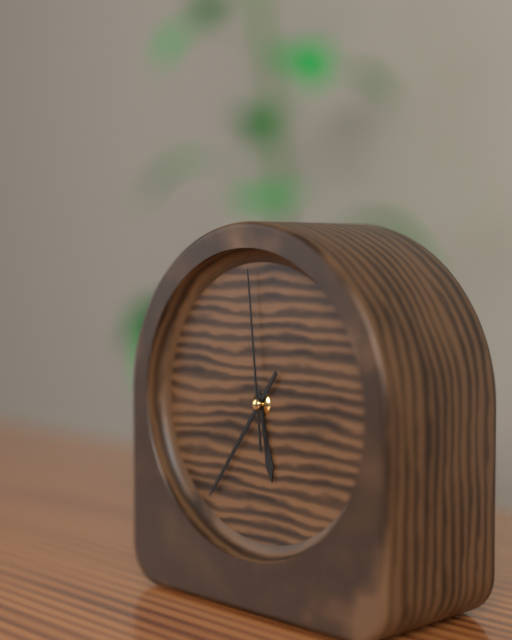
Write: 5 h 36 min 59 s
